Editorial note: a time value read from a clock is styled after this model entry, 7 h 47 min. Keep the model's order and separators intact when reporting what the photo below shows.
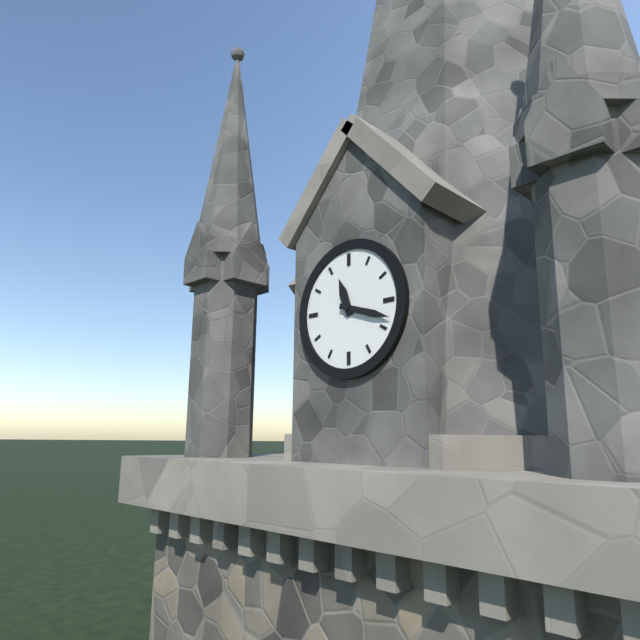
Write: 11 h 18 min
